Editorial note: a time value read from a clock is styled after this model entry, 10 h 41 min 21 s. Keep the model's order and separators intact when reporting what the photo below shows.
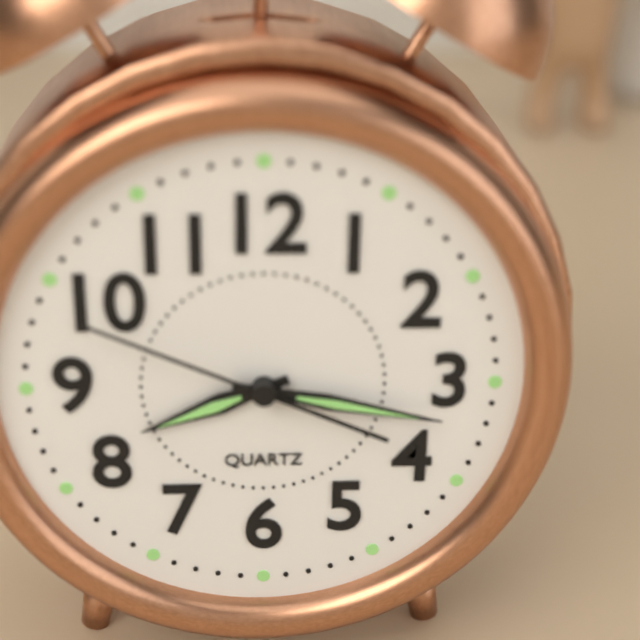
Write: 8 h 17 min 49 s
